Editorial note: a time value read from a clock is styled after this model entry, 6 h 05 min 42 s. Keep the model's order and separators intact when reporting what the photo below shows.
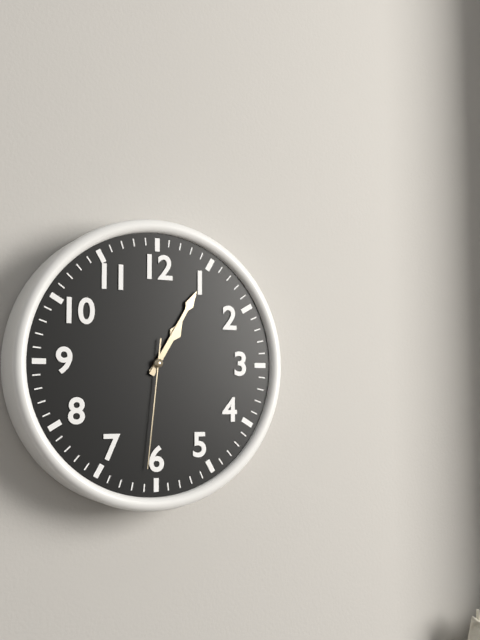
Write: 1 h 05 min 31 s
